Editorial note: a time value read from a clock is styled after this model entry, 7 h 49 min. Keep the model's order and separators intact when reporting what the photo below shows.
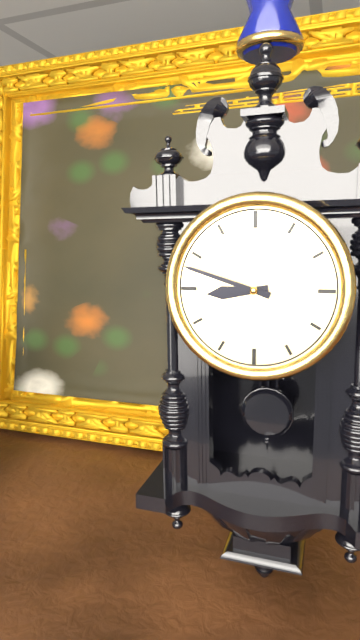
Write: 8 h 48 min
